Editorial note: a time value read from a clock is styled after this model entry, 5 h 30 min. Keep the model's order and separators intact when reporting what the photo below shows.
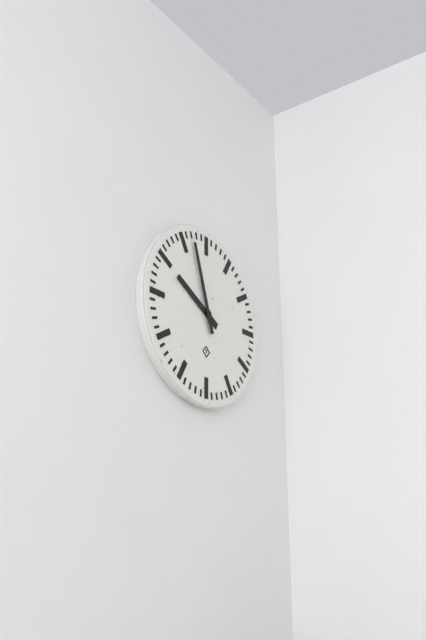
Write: 9 h 57 min
